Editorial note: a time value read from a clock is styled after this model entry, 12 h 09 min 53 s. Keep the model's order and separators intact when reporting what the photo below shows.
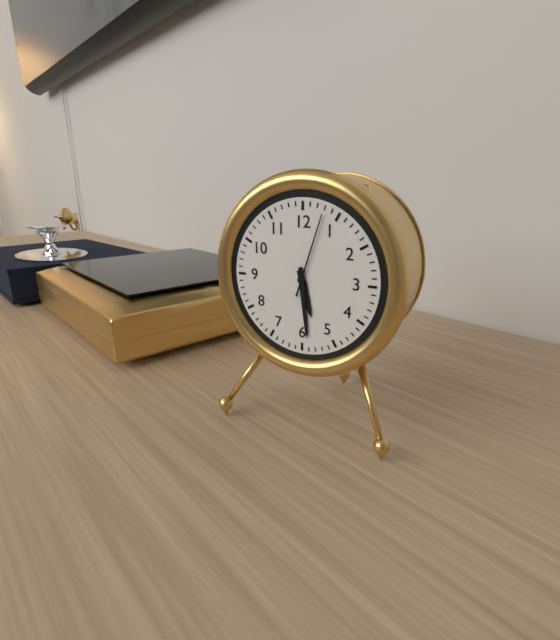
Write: 5 h 29 min 03 s
